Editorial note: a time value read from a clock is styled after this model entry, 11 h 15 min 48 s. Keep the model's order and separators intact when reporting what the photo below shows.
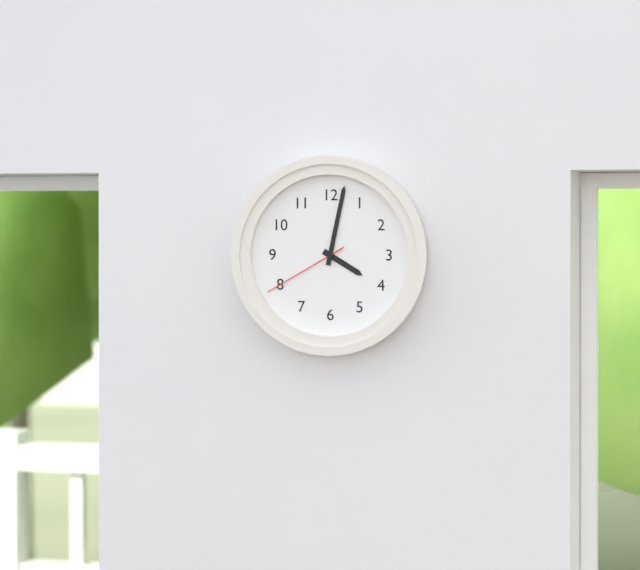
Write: 4 h 02 min 40 s
